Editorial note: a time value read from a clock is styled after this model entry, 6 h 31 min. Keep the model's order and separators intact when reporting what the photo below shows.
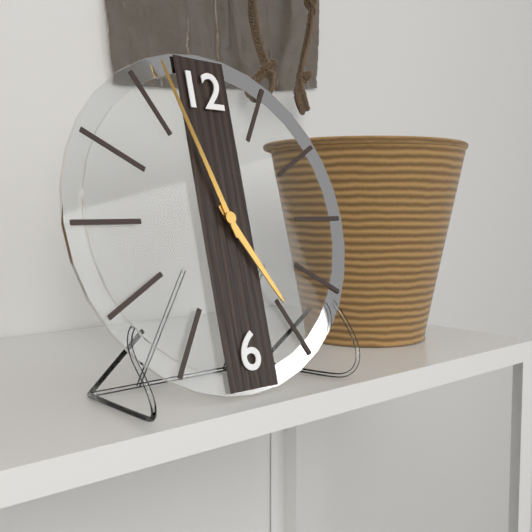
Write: 4 h 57 min
